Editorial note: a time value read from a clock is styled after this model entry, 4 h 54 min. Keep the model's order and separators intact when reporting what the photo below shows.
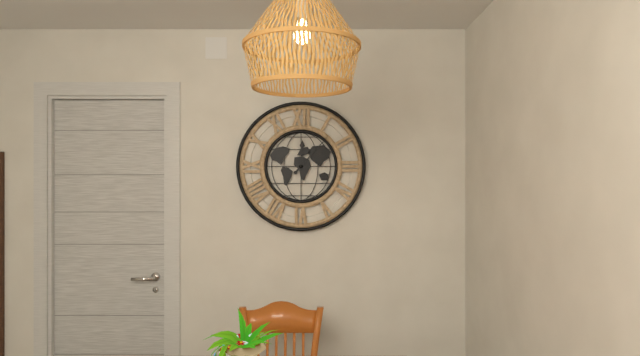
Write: 12 h 07 min
